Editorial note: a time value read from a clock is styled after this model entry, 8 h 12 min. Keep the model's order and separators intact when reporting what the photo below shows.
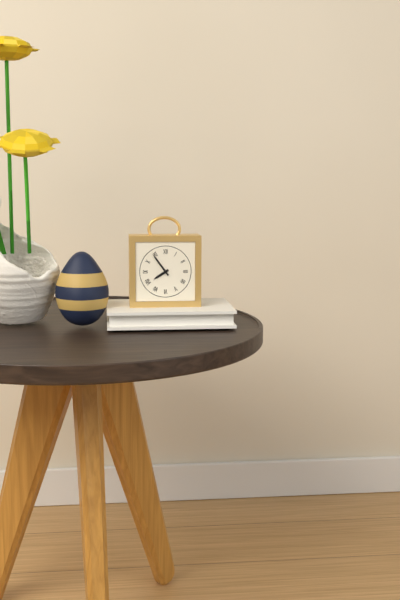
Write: 7 h 54 min
